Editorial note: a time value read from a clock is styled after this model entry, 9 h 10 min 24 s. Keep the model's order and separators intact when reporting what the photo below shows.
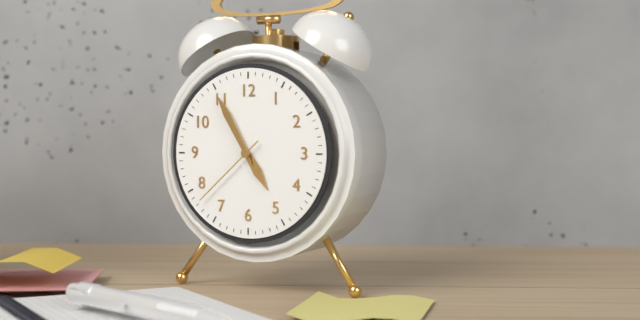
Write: 4 h 55 min 38 s
